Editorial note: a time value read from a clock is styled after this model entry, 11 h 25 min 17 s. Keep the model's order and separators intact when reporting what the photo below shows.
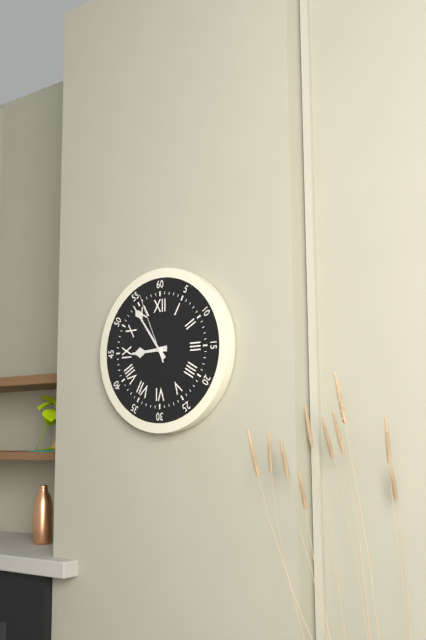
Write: 8 h 54 min 56 s
